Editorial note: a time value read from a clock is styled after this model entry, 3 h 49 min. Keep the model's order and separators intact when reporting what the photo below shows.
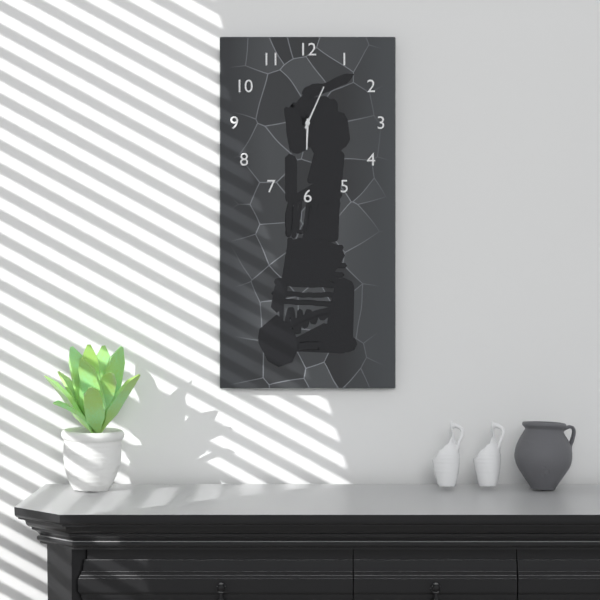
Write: 6 h 04 min
